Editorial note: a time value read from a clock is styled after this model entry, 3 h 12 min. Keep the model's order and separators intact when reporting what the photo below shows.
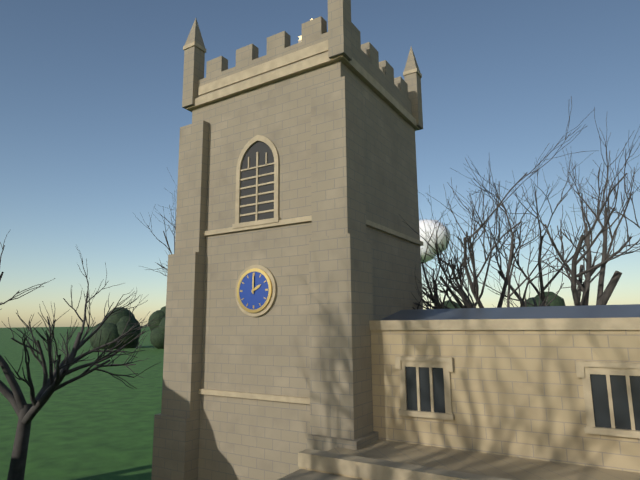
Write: 2 h 00 min
